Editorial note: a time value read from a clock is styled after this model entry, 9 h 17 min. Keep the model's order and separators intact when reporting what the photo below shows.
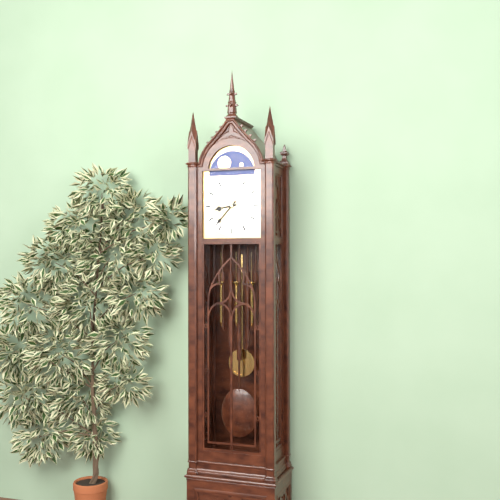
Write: 8 h 37 min
